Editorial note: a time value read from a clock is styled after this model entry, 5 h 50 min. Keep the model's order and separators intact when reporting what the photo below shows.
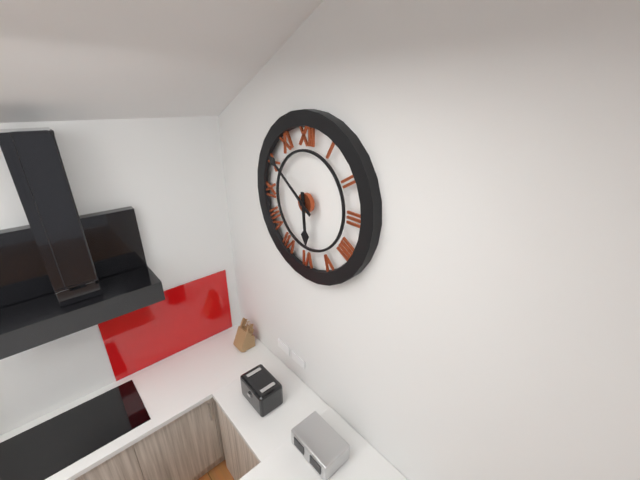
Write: 5 h 51 min
